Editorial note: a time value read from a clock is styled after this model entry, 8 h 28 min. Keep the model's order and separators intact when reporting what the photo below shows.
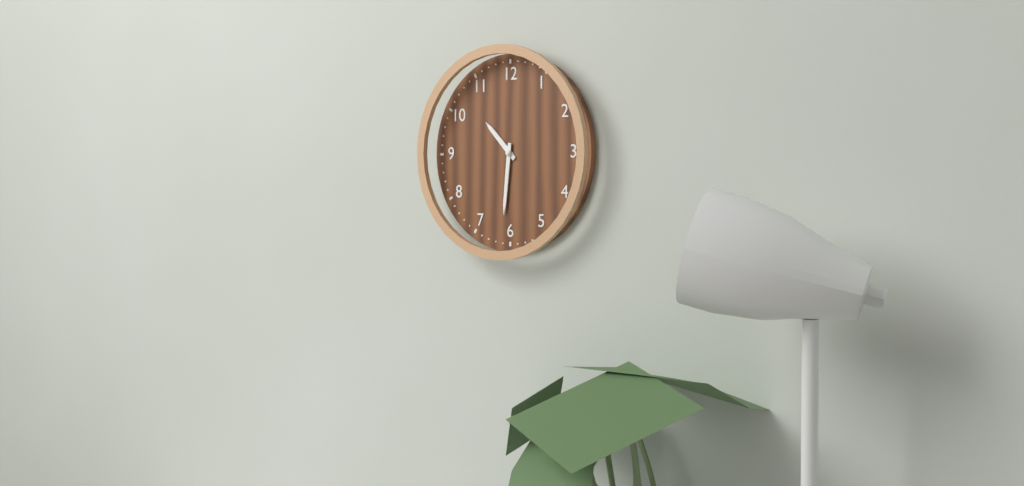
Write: 10 h 31 min
